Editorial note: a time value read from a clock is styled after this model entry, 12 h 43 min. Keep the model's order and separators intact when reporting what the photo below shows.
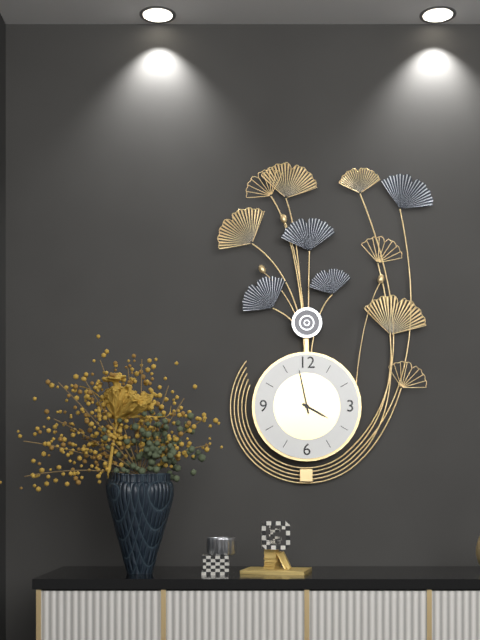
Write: 3 h 58 min
